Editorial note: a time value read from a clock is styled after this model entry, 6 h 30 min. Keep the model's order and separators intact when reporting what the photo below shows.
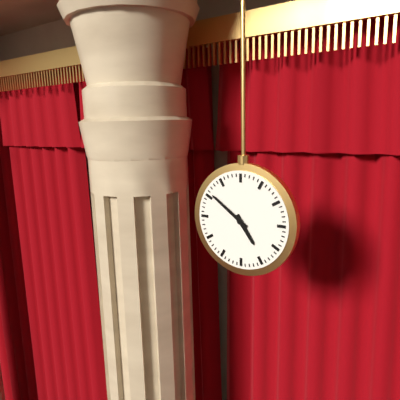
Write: 4 h 51 min
